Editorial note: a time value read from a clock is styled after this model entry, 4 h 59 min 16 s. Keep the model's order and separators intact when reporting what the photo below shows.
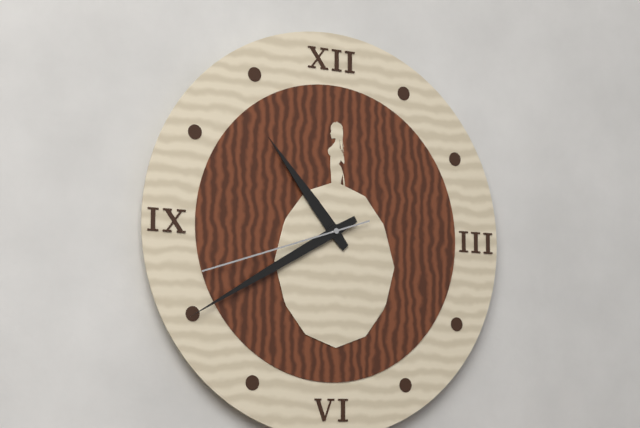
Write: 10 h 40 min 42 s
